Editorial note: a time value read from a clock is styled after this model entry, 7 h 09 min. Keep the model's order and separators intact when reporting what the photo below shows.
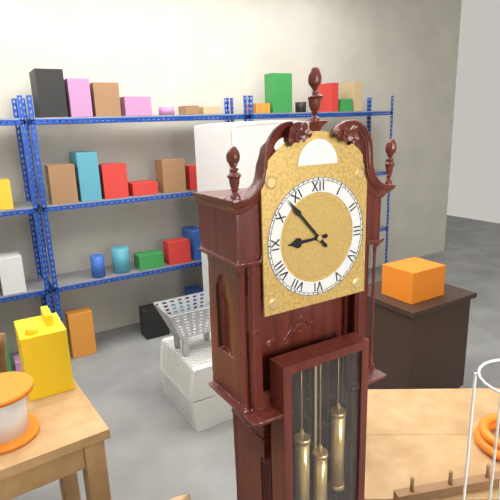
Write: 8 h 53 min
